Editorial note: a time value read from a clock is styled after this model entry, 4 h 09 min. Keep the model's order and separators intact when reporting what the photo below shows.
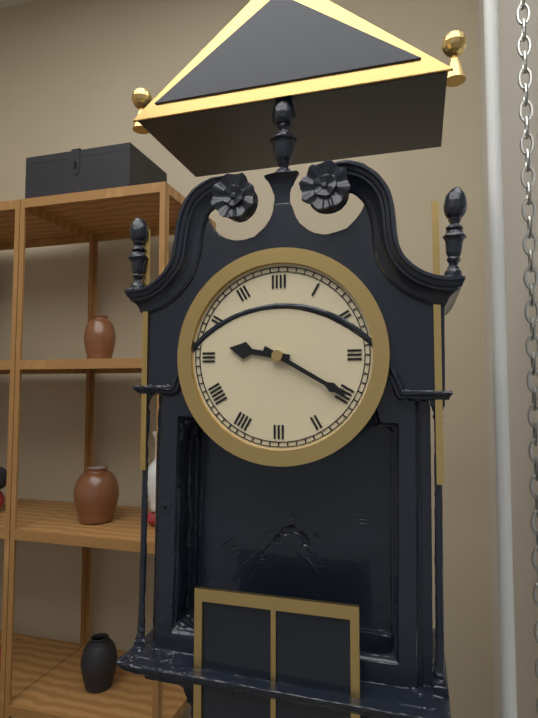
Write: 9 h 20 min
